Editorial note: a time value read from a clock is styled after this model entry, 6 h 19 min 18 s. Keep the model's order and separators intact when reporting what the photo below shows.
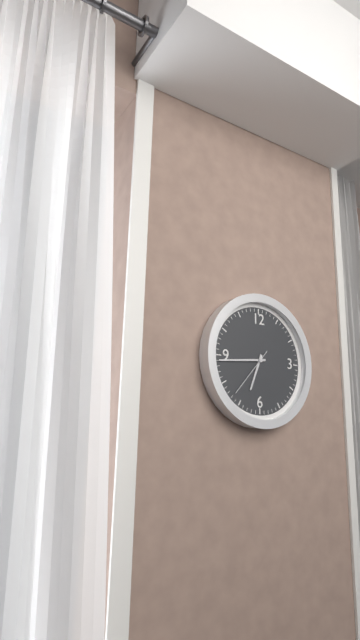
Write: 6 h 44 min 37 s
